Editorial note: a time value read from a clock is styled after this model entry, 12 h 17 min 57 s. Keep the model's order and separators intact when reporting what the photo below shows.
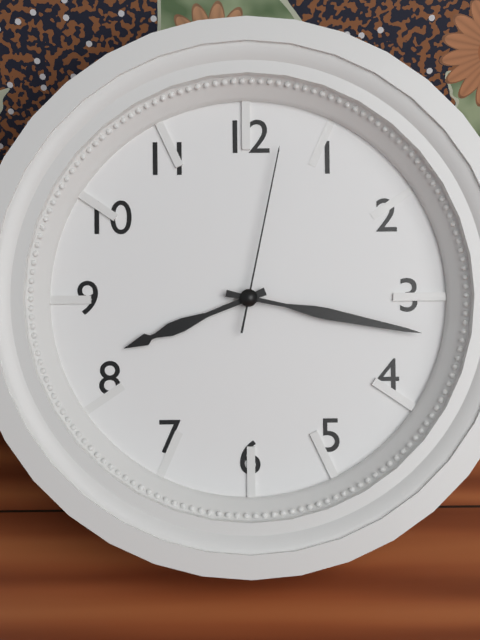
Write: 8 h 17 min 02 s
